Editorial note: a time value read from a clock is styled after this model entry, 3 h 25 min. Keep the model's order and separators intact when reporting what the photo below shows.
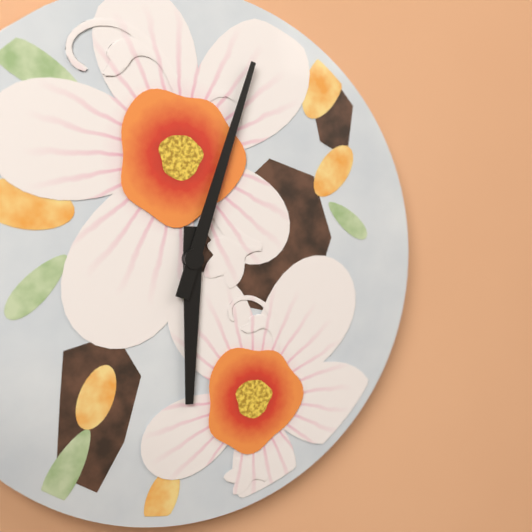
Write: 6 h 03 min
